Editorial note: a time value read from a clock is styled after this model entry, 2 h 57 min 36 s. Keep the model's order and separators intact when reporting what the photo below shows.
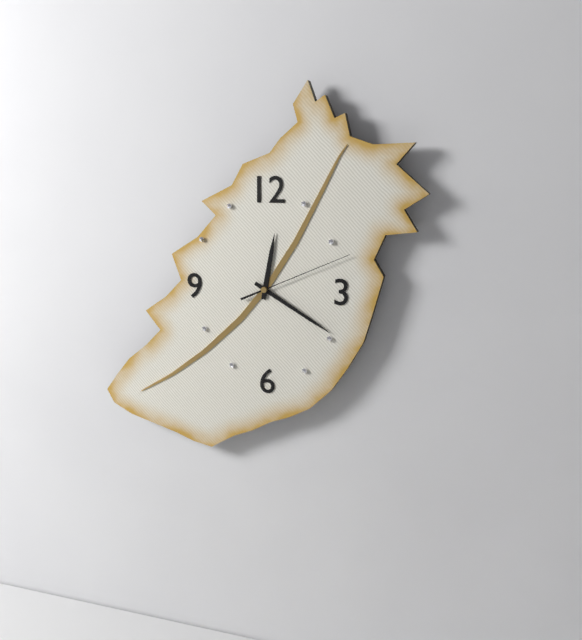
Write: 12 h 20 min 11 s
